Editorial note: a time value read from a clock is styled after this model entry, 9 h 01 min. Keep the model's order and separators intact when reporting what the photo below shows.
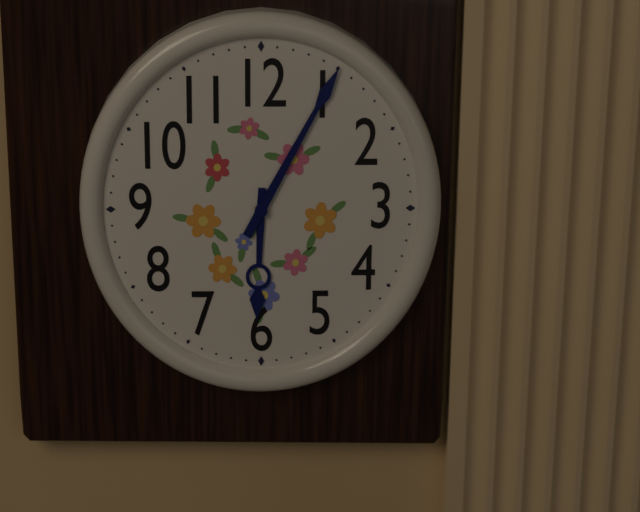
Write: 6 h 05 min
